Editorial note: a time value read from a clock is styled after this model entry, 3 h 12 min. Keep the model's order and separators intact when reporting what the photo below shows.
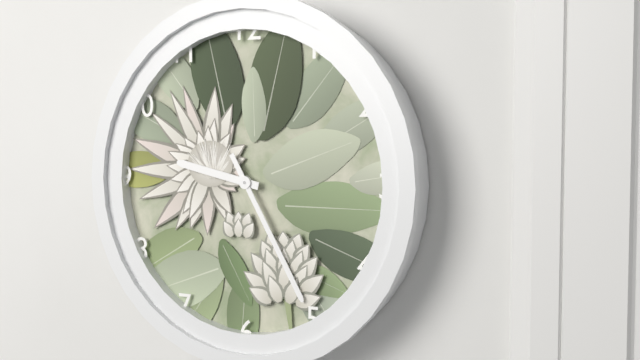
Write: 9 h 25 min
